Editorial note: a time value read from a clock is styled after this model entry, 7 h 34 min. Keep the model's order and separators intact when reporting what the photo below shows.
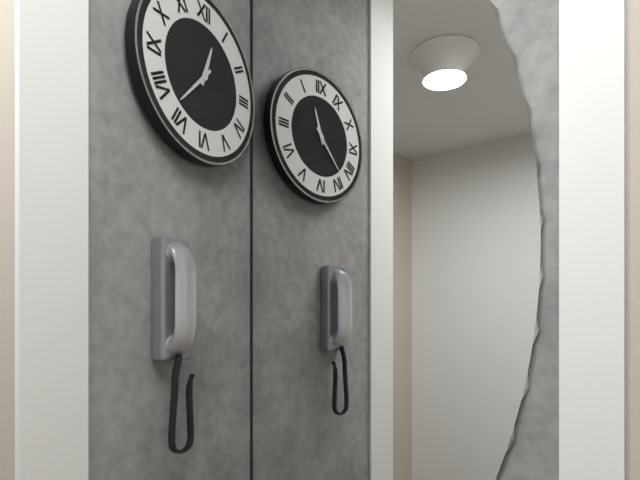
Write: 12 h 37 min
